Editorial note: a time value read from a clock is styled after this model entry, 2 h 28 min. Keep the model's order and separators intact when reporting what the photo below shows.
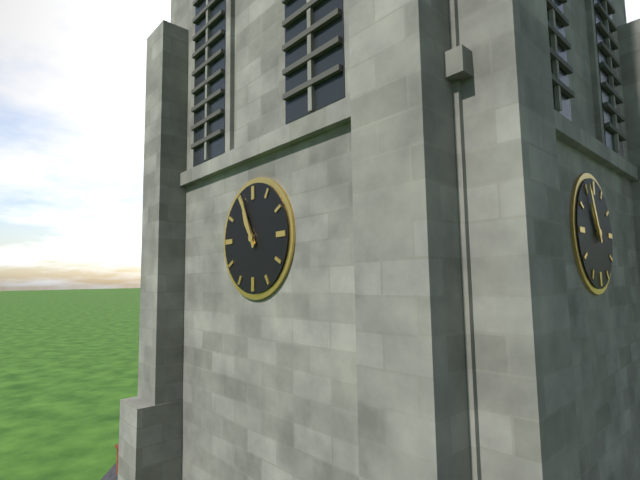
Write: 10 h 56 min
